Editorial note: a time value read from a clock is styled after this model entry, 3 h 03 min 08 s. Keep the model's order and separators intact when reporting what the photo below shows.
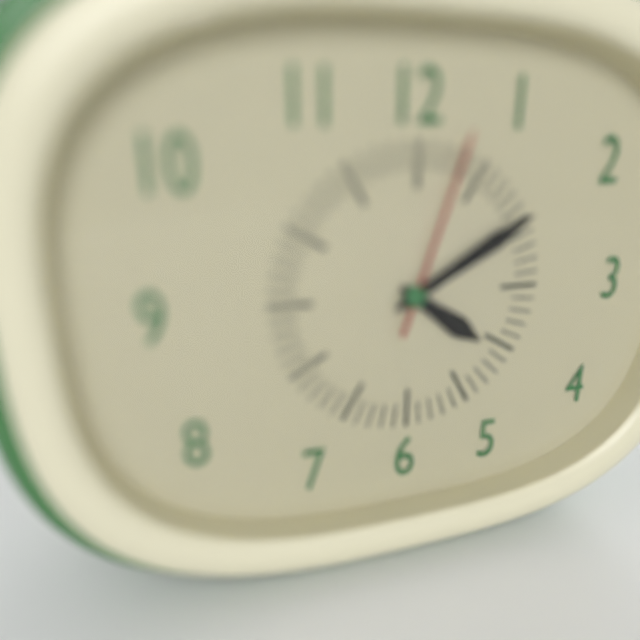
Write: 4 h 10 min 03 s
